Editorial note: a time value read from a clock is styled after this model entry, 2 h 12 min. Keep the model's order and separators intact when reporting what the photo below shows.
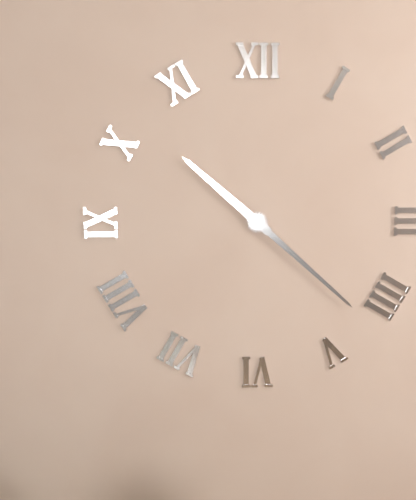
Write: 10 h 22 min
